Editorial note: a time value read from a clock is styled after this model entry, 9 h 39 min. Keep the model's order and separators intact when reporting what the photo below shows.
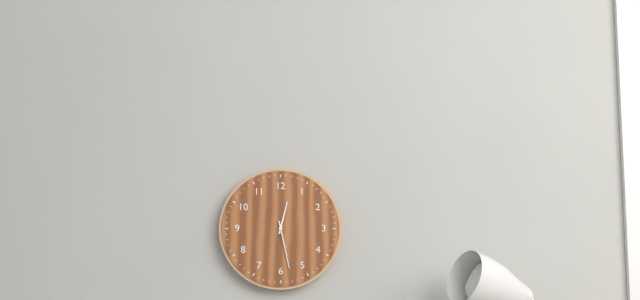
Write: 12 h 28 min
